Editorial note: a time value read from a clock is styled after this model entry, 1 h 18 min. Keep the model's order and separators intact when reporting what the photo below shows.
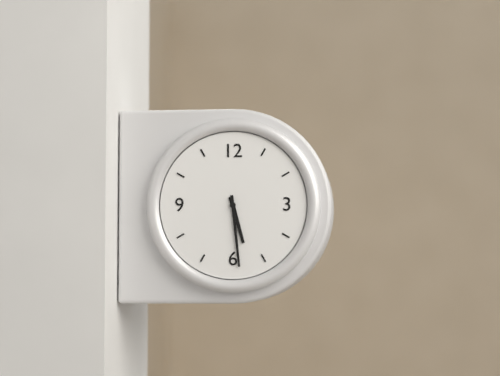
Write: 5 h 29 min
